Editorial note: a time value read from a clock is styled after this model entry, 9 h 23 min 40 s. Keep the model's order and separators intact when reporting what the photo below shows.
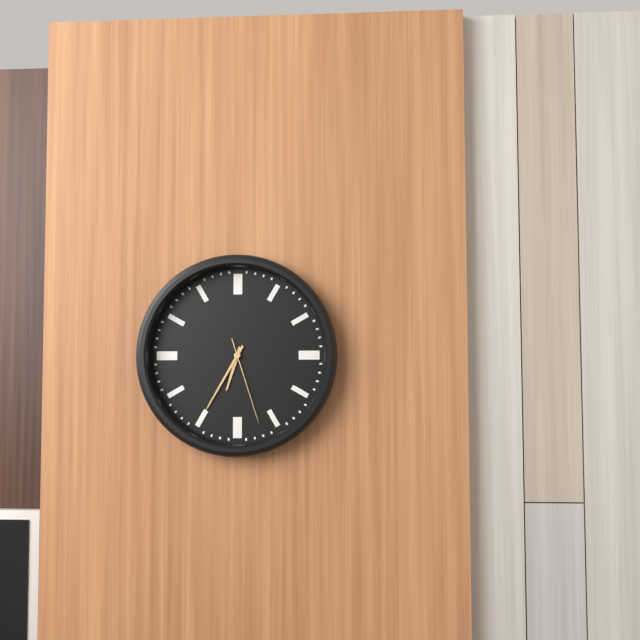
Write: 6 h 35 min 27 s
